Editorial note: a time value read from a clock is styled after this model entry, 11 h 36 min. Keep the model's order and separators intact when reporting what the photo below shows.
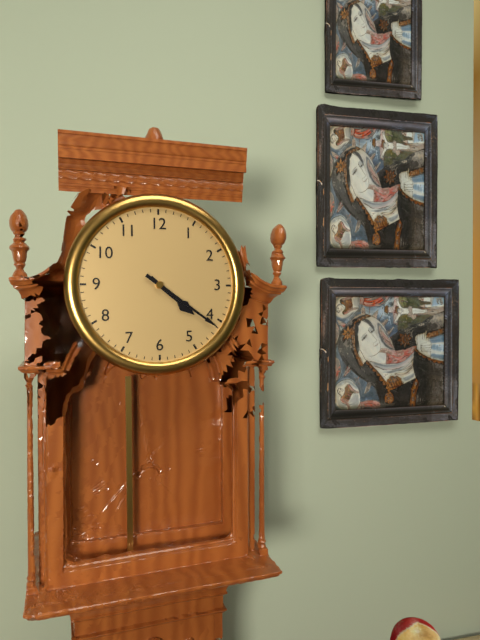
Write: 4 h 21 min
